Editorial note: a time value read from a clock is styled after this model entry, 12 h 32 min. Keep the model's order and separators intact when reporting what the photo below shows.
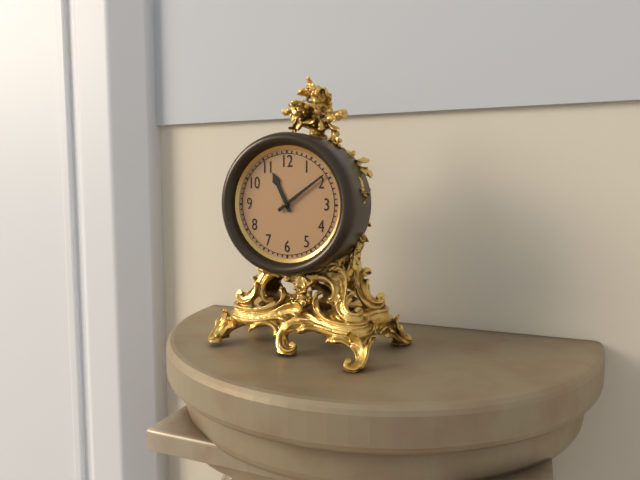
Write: 11 h 09 min
